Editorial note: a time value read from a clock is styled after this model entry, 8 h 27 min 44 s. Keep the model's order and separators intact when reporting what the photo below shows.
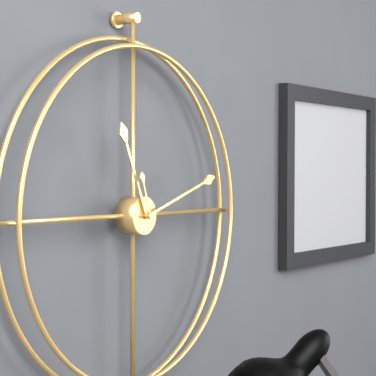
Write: 11 h 12 min 57 s
